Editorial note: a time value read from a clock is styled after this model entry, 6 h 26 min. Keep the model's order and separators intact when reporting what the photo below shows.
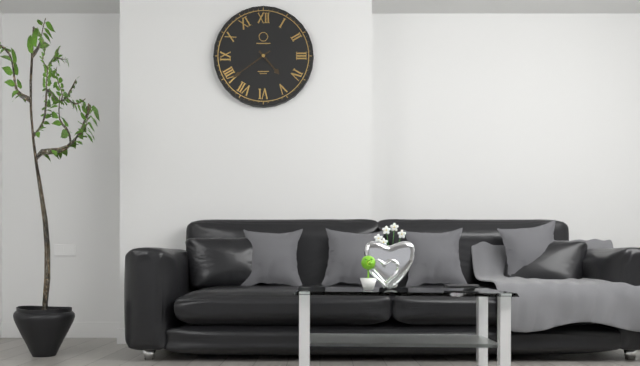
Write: 4 h 39 min
